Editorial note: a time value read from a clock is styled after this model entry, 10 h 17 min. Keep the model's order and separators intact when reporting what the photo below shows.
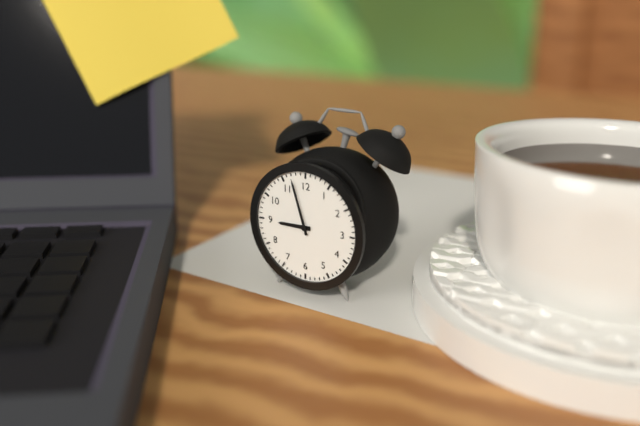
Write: 8 h 57 min
